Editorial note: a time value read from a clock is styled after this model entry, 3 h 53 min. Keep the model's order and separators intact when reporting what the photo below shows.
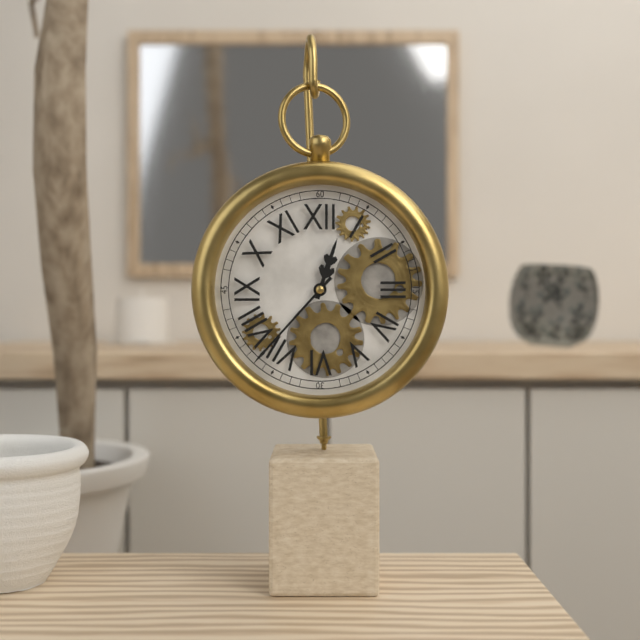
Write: 12 h 37 min
